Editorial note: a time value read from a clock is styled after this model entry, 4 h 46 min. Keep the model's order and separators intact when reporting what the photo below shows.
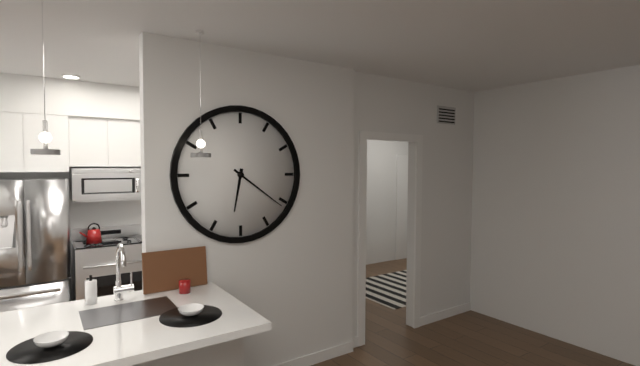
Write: 6 h 21 min
